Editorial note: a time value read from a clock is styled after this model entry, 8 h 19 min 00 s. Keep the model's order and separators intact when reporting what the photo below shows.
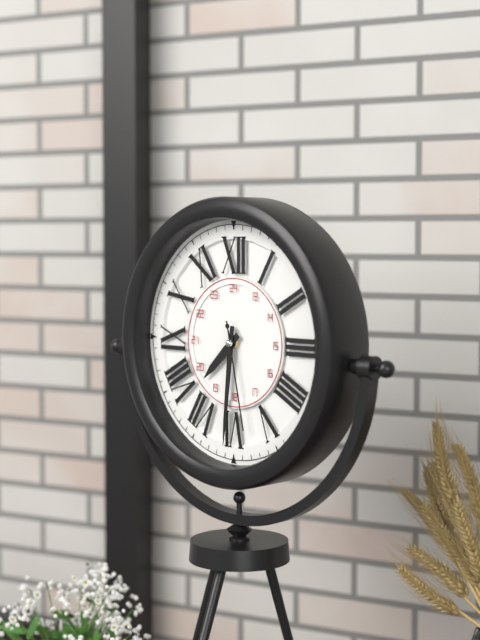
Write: 7 h 31 min 28 s
